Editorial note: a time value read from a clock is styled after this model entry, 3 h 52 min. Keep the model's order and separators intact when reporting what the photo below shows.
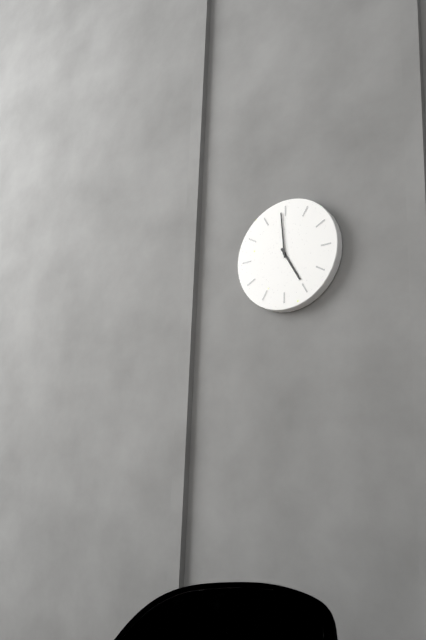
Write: 4 h 59 min
